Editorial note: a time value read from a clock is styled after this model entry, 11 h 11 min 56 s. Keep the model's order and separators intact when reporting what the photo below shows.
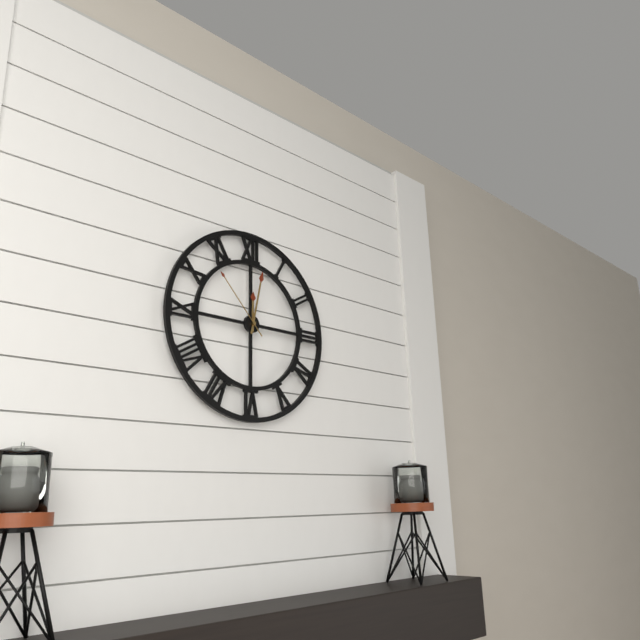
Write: 12 h 02 min 53 s
